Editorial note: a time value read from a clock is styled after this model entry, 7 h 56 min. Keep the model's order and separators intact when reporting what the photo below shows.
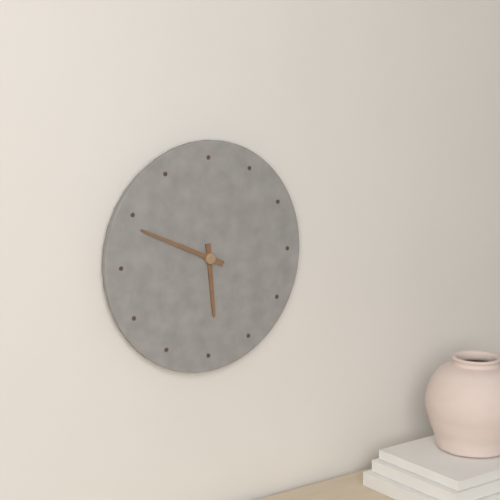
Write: 5 h 49 min
